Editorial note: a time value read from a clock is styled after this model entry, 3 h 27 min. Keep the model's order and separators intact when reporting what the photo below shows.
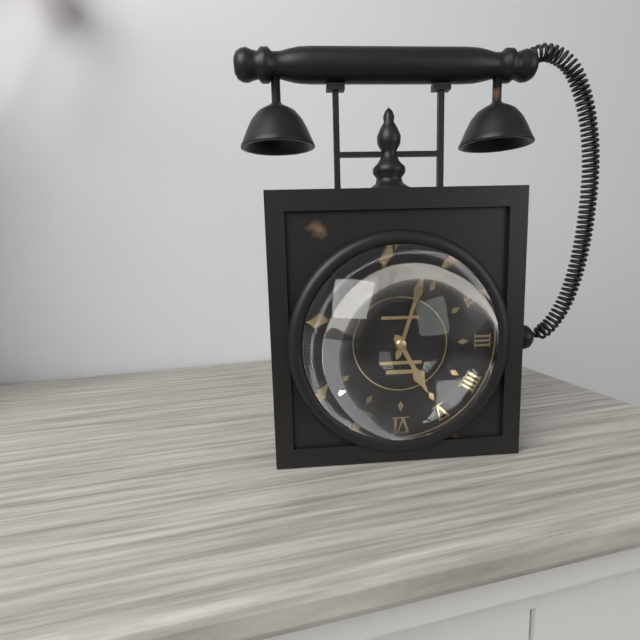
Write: 5 h 03 min
